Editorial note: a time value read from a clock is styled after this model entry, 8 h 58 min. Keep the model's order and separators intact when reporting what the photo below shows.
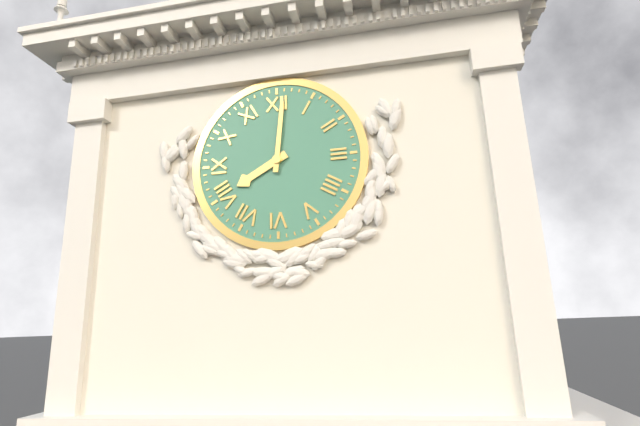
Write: 8 h 01 min
